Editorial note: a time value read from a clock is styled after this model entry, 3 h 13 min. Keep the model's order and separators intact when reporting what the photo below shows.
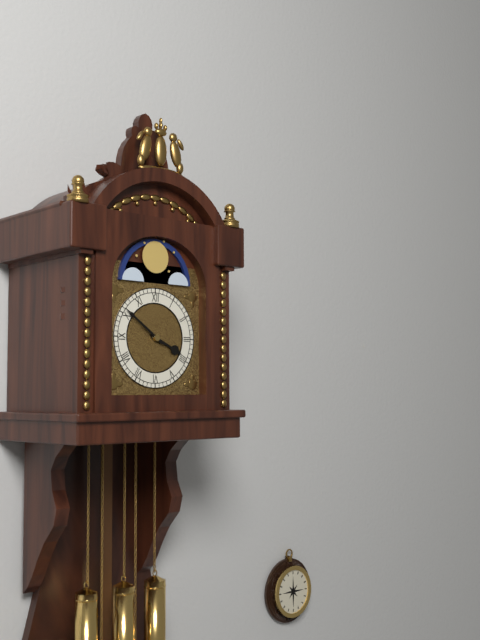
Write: 3 h 51 min
